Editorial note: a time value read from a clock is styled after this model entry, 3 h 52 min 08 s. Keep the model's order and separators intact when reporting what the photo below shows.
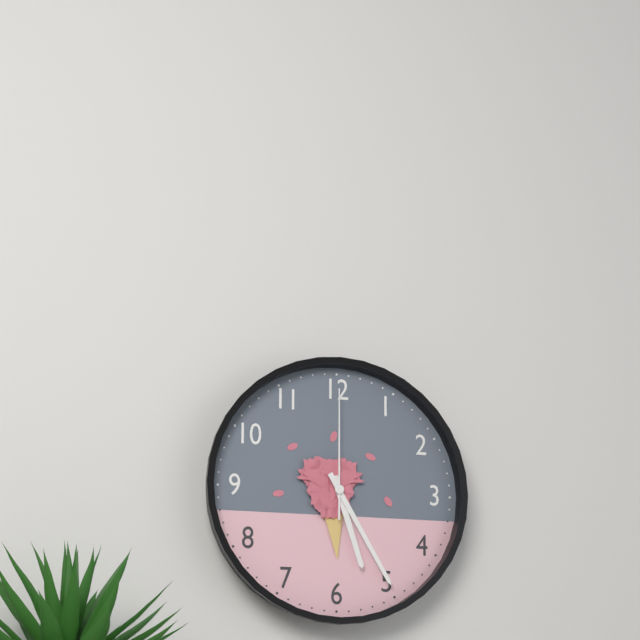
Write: 5 h 25 min 00 s
